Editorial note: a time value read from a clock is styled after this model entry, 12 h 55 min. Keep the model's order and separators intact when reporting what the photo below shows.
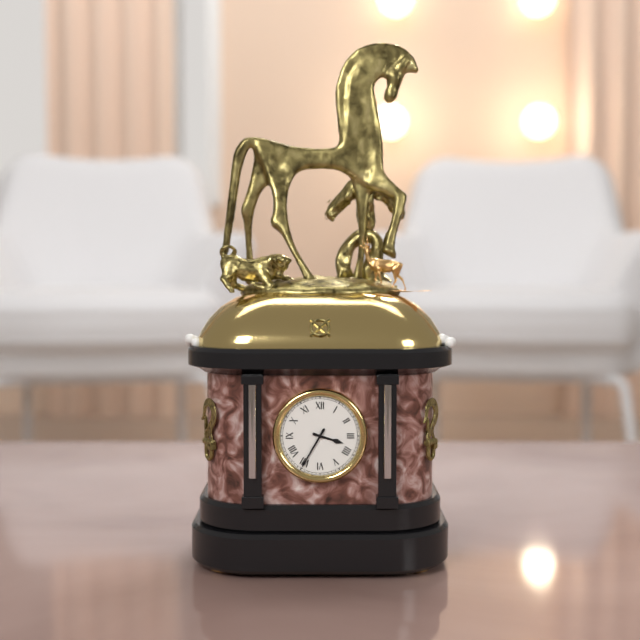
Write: 3 h 35 min
